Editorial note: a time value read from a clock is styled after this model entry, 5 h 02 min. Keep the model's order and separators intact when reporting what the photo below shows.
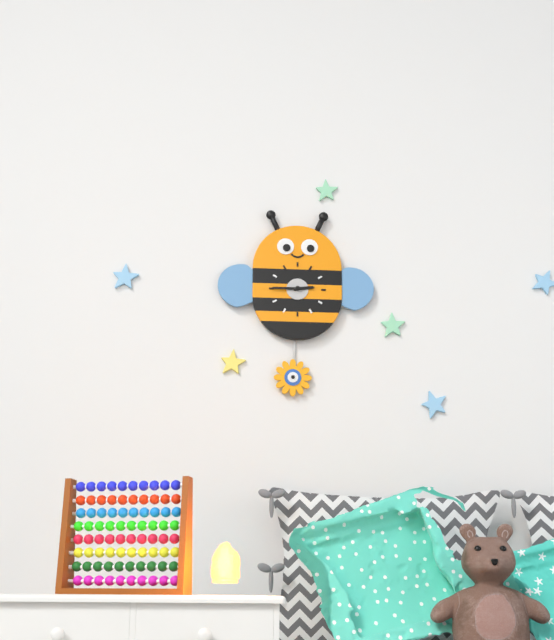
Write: 2 h 45 min
